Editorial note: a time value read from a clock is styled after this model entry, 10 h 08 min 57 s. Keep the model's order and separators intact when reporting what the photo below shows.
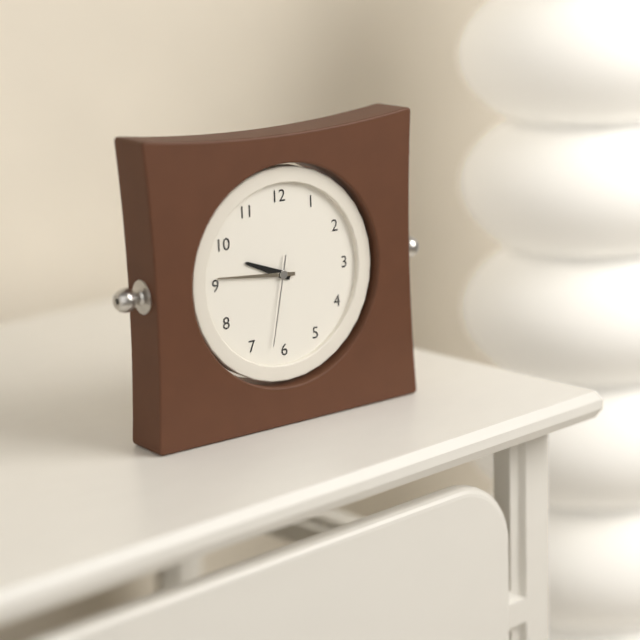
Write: 9 h 46 min 32 s
